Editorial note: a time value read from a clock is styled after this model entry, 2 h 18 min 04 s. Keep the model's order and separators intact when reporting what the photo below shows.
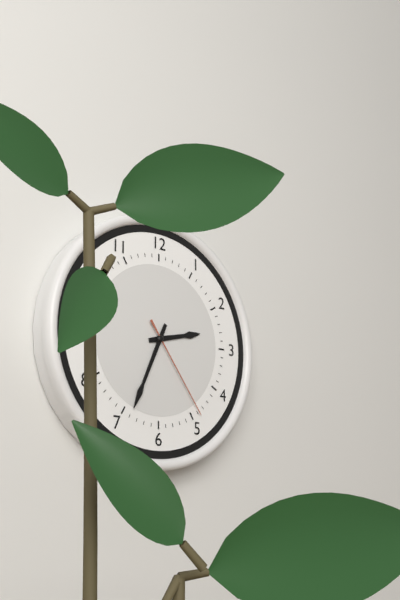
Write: 2 h 34 min 24 s
